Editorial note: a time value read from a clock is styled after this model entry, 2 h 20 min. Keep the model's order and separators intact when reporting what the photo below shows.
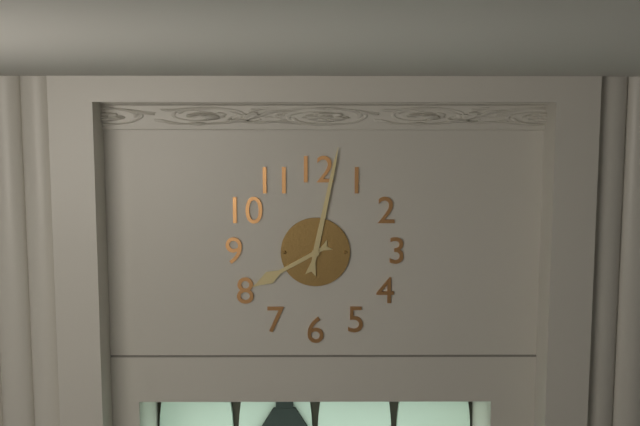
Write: 8 h 02 min
